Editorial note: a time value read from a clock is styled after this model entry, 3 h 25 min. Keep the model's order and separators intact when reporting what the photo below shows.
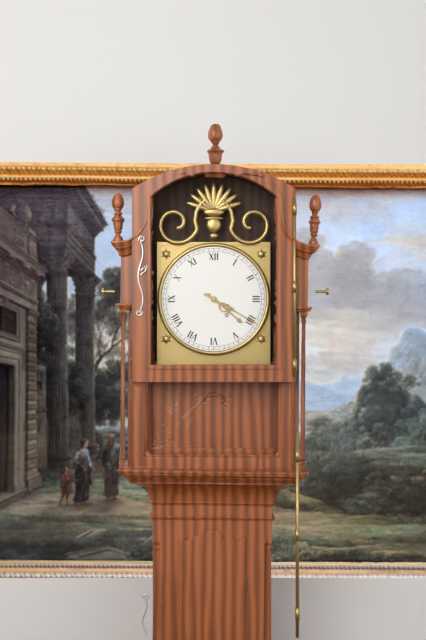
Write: 4 h 20 min
